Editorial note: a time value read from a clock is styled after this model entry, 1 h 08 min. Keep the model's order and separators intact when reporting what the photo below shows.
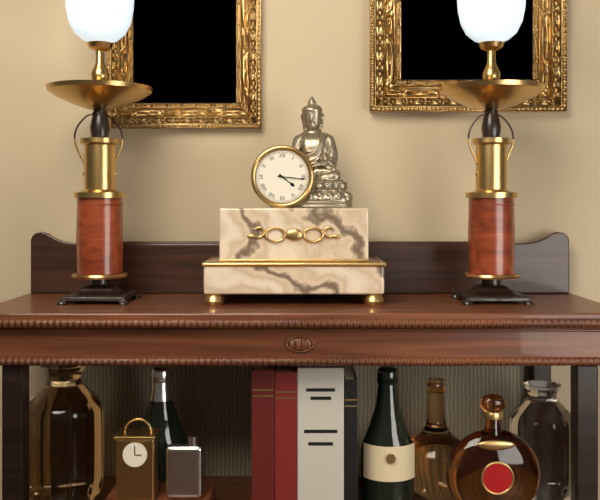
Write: 4 h 16 min
